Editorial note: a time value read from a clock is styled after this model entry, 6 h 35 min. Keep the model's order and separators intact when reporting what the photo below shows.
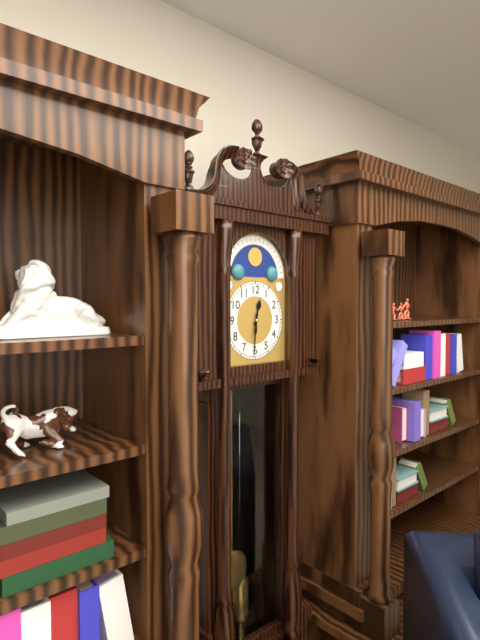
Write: 12 h 31 min
